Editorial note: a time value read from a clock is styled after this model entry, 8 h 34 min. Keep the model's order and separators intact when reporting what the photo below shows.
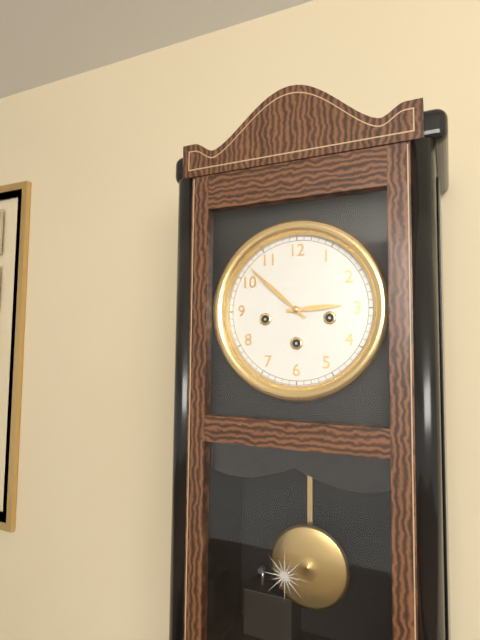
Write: 2 h 52 min
